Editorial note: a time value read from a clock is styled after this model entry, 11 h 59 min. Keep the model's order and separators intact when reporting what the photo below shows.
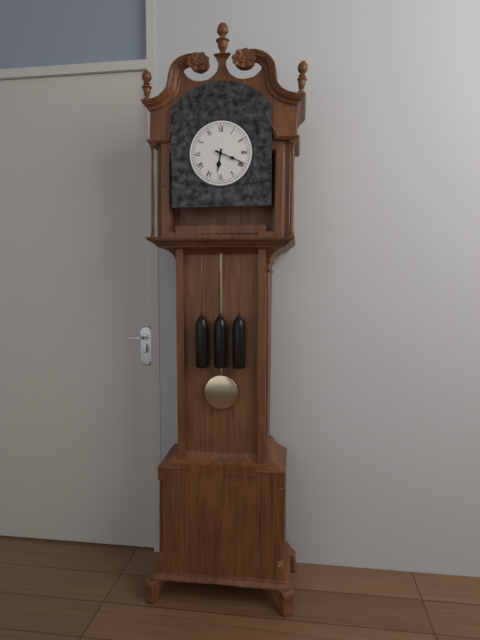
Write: 6 h 19 min
